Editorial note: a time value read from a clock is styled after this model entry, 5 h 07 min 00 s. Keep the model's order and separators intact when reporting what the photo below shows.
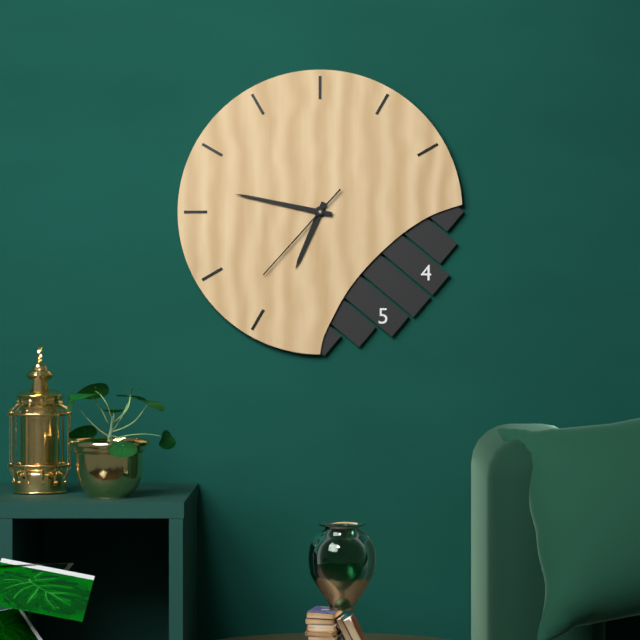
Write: 6 h 47 min 37 s
